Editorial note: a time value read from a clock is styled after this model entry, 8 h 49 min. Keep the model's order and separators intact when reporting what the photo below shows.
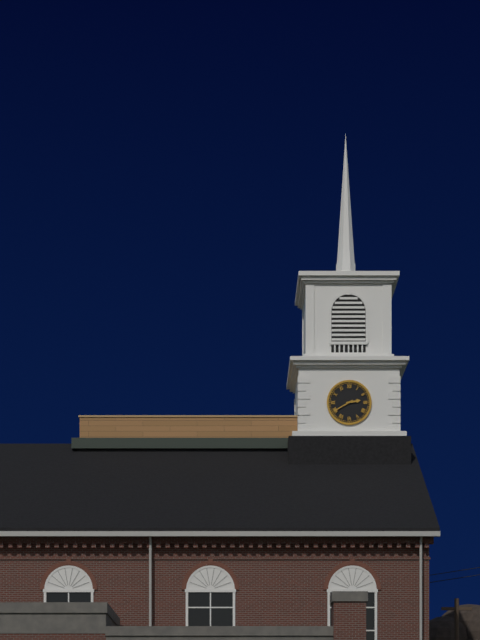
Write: 2 h 40 min
